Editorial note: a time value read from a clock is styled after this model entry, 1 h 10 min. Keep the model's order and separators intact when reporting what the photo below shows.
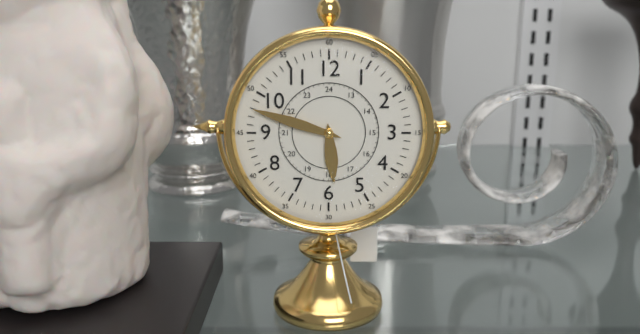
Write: 5 h 48 min
